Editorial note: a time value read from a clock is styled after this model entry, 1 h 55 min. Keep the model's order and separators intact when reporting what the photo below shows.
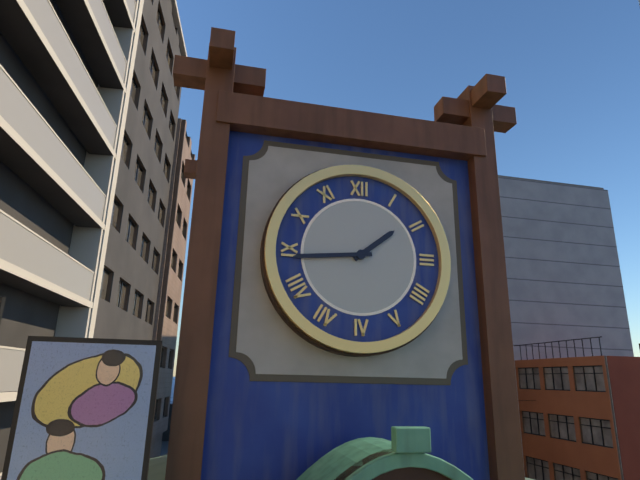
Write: 1 h 44 min
